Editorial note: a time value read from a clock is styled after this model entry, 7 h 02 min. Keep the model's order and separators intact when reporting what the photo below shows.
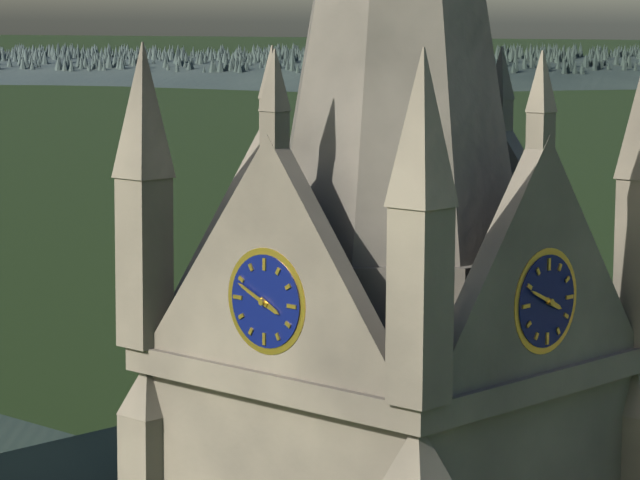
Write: 3 h 49 min
